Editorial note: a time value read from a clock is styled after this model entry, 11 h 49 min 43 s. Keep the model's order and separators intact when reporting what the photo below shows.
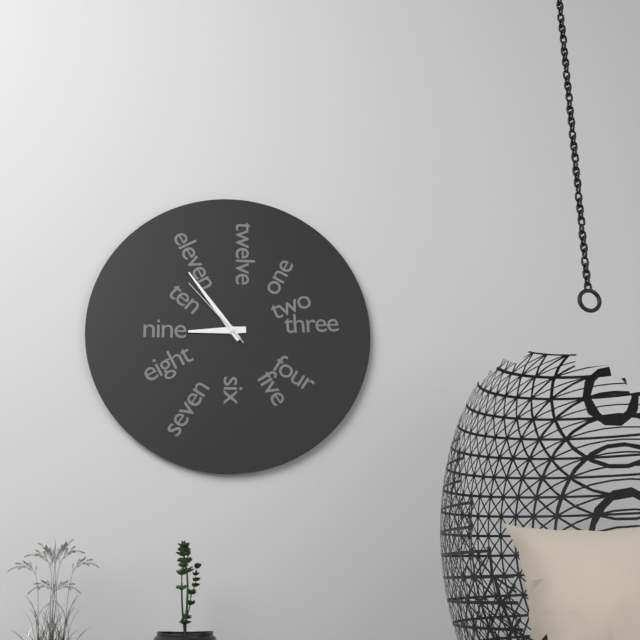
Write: 8 h 54 min 53 s
